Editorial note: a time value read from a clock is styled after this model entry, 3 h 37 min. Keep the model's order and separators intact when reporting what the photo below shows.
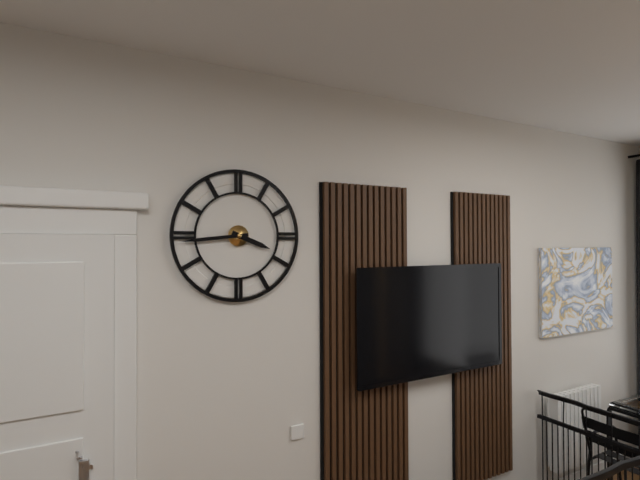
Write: 3 h 44 min
